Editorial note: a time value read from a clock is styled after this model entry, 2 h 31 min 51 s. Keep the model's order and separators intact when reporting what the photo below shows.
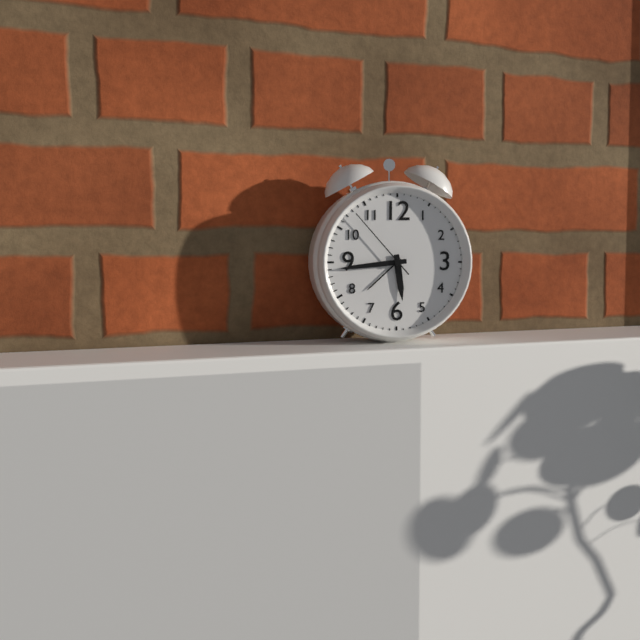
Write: 5 h 44 min 53 s
